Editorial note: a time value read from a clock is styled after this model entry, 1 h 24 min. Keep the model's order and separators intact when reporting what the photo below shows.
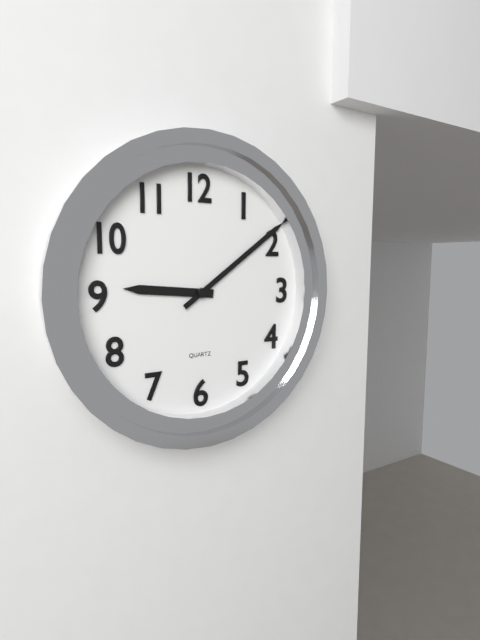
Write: 9 h 09 min
